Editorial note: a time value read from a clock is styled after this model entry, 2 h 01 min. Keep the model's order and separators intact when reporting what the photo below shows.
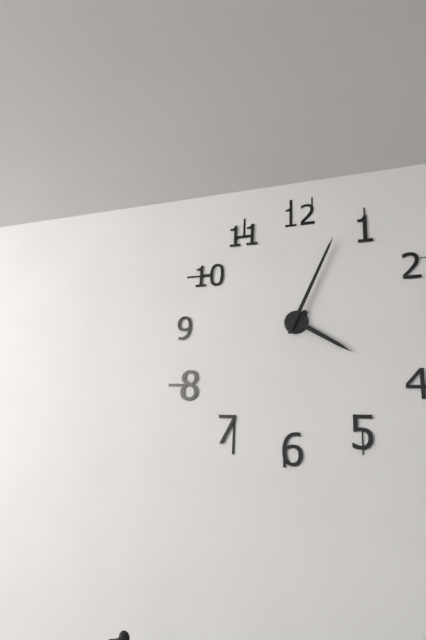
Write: 4 h 04 min
